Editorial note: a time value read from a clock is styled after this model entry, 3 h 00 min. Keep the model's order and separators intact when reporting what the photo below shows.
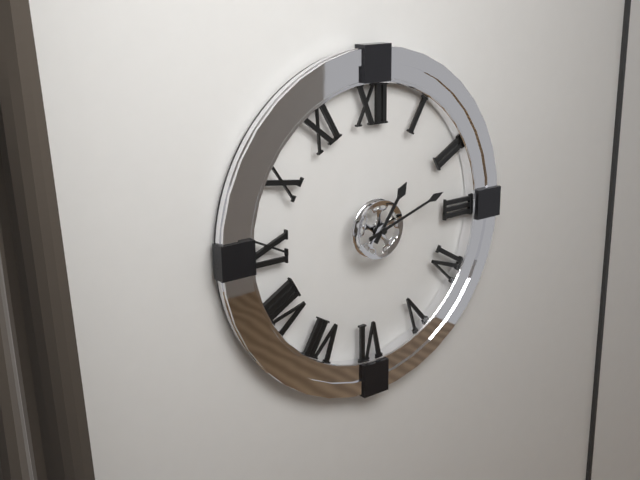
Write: 1 h 12 min
